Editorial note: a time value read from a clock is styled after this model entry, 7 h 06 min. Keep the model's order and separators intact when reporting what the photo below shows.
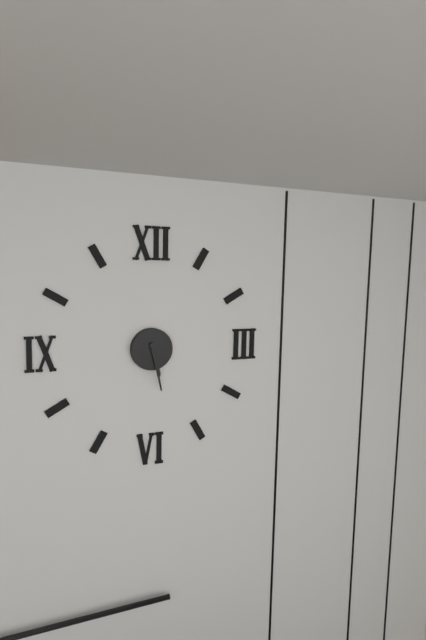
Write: 5 h 28 min
